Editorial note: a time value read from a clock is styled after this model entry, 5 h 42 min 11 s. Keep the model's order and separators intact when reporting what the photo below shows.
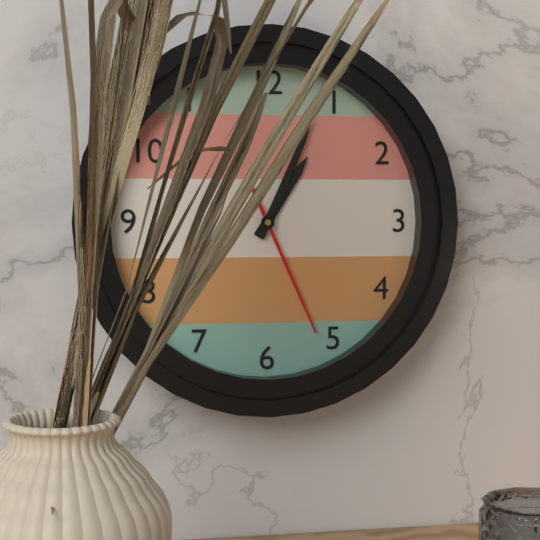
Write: 1 h 04 min 26 s
